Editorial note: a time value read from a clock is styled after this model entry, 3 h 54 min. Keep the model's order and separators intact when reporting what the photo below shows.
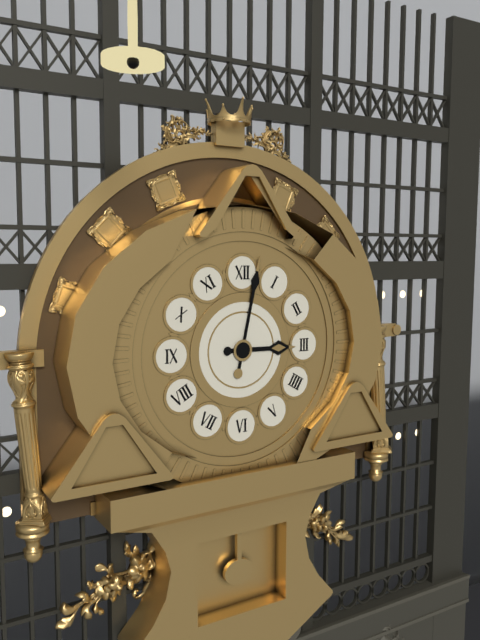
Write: 3 h 02 min
